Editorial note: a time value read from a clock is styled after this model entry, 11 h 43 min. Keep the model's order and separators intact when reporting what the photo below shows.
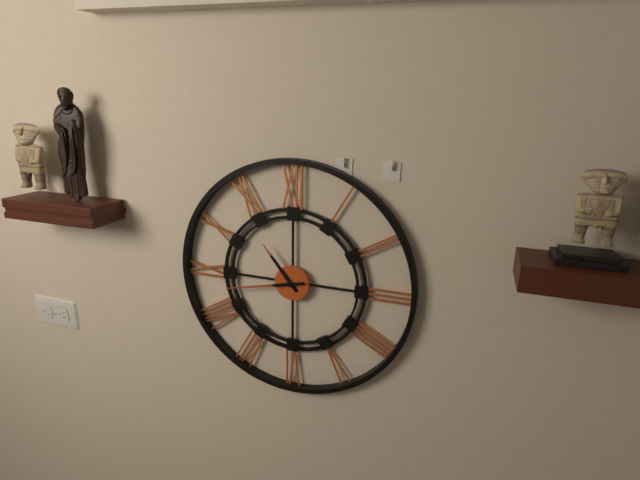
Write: 10 h 43 min
